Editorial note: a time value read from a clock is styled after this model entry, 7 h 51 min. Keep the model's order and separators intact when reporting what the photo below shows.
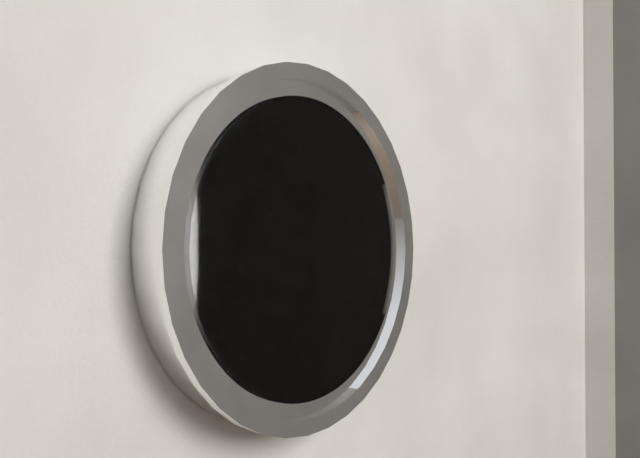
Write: 7 h 17 min
